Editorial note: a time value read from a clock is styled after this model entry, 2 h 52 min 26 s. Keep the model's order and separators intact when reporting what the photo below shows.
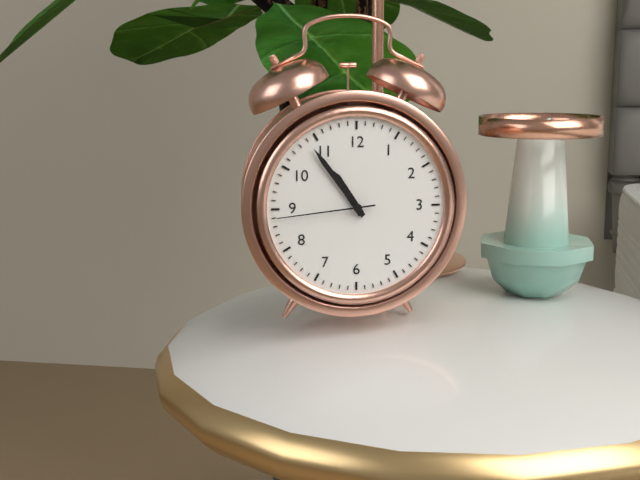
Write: 10 h 54 min 44 s
